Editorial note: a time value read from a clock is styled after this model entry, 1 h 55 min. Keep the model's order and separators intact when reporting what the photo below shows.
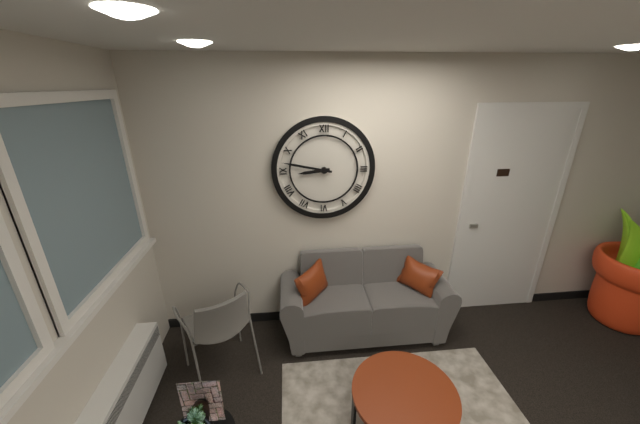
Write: 8 h 47 min
